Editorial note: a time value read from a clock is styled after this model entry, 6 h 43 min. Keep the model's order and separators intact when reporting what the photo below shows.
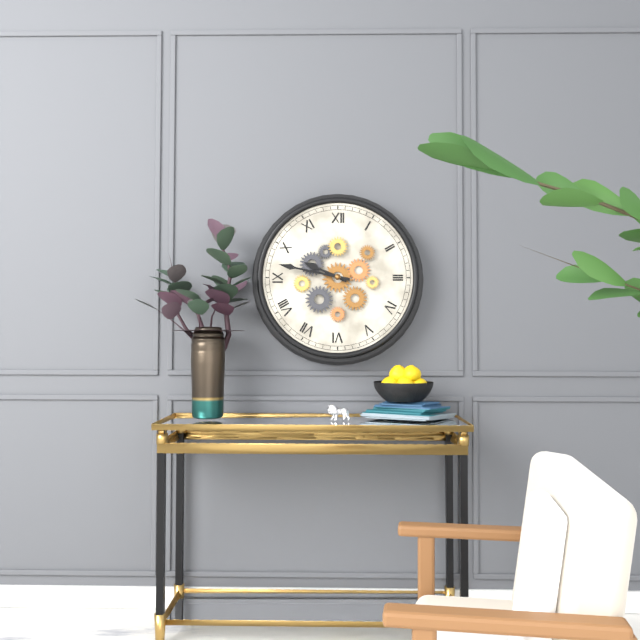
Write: 9 h 47 min
